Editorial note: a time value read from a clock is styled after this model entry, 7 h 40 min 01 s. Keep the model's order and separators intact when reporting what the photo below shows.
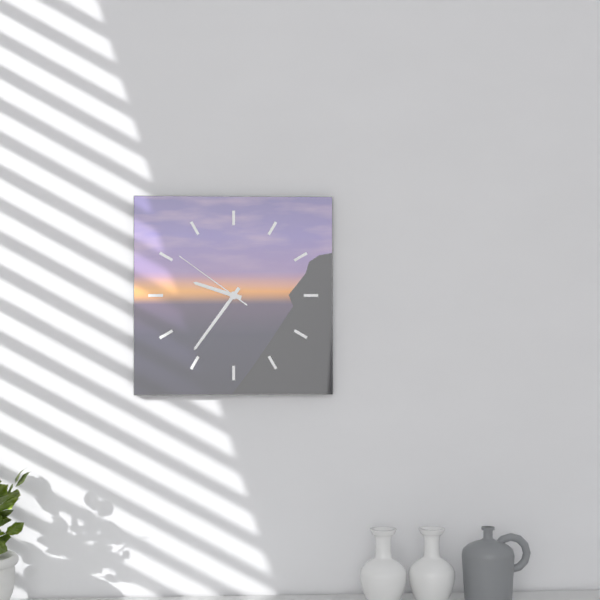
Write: 9 h 36 min 51 s
